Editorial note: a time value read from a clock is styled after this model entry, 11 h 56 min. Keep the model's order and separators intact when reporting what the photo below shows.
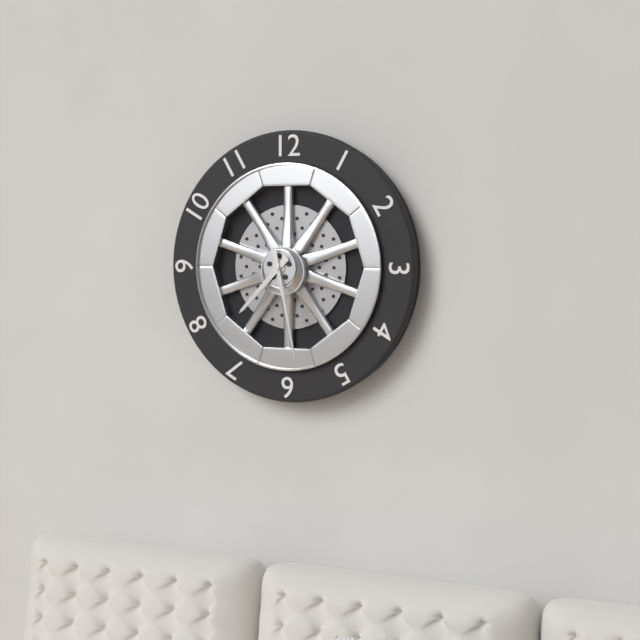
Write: 7 h 28 min
